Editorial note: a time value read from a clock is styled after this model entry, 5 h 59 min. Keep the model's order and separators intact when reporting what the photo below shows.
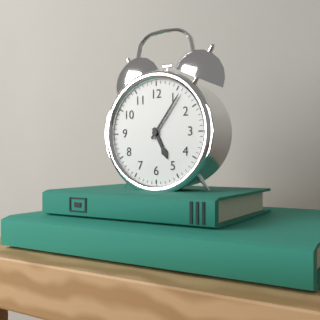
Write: 5 h 06 min
